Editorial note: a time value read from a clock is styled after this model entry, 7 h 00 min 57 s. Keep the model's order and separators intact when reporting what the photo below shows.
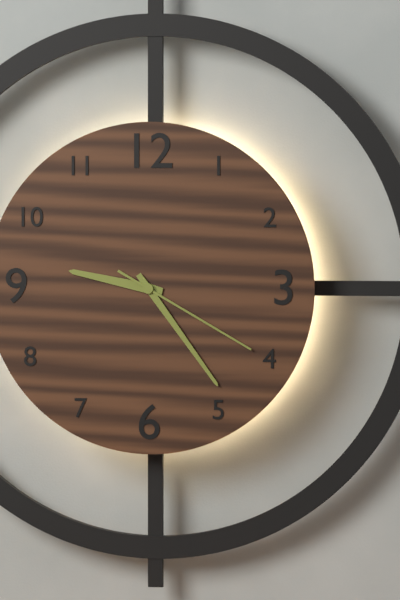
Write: 9 h 24 min 20 s
